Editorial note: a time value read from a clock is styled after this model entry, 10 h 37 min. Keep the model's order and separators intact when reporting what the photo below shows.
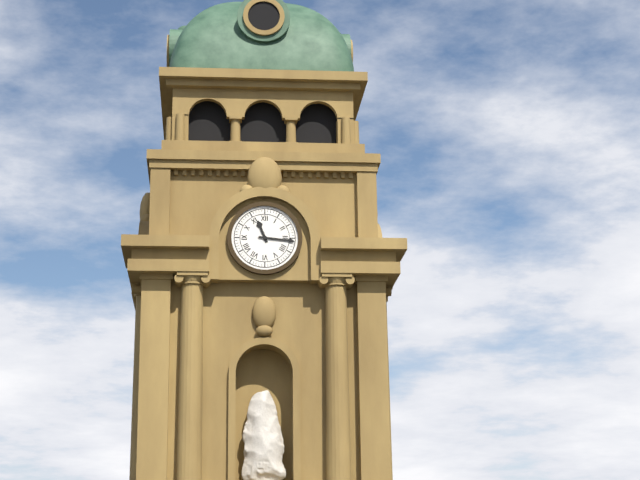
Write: 11 h 16 min
